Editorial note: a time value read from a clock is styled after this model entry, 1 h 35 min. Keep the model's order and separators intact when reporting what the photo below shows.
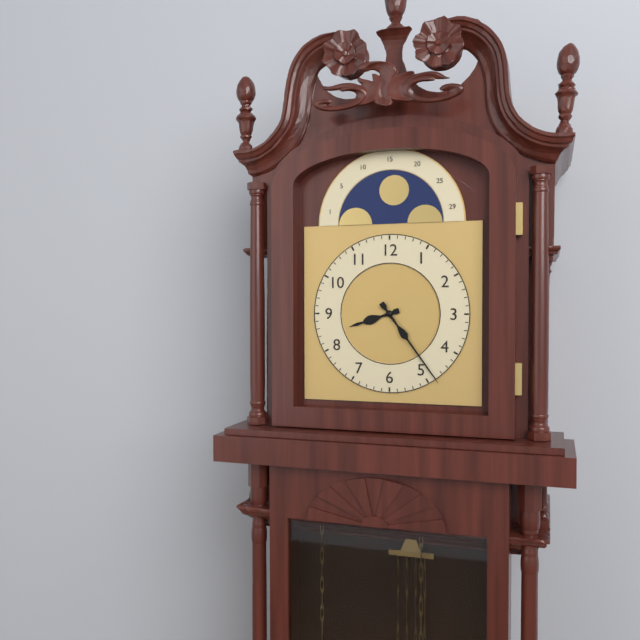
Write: 8 h 24 min
